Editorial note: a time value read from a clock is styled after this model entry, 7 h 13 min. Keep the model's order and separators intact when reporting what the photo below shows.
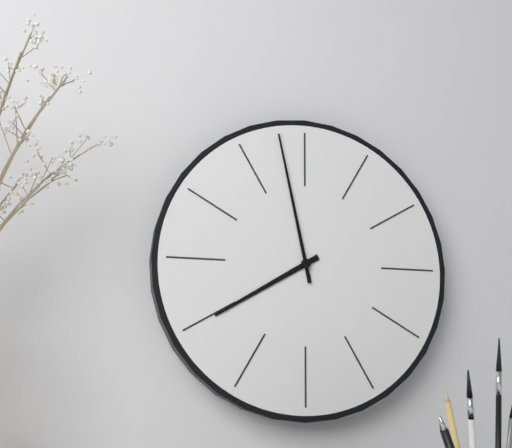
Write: 7 h 58 min
